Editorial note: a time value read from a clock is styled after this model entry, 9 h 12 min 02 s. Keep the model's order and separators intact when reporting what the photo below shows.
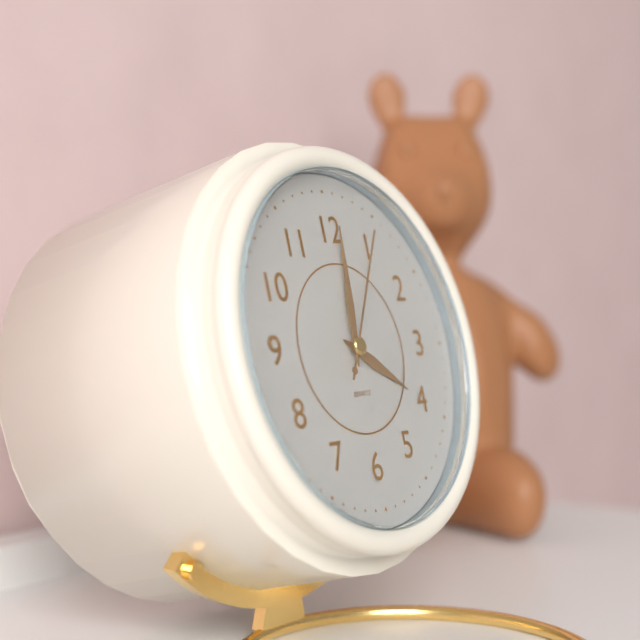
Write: 4 h 01 min 05 s
